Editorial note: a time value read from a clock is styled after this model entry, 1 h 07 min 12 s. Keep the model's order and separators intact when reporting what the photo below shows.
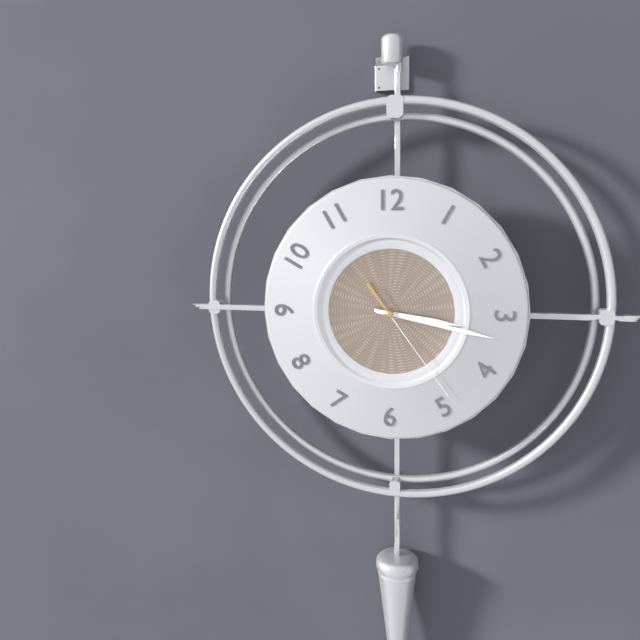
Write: 3 h 17 min 24 s
